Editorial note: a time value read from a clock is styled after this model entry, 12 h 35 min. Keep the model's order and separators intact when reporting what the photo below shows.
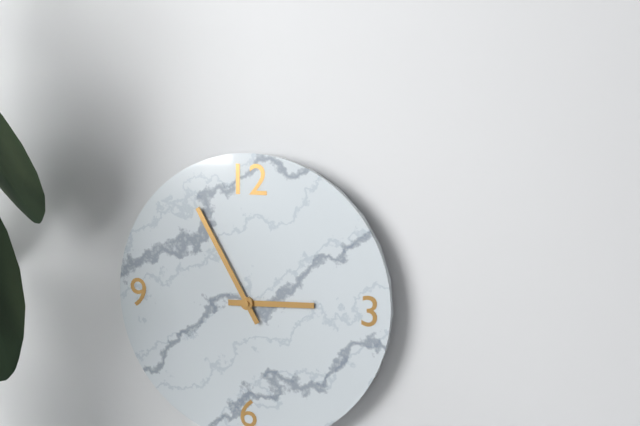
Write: 2 h 55 min
